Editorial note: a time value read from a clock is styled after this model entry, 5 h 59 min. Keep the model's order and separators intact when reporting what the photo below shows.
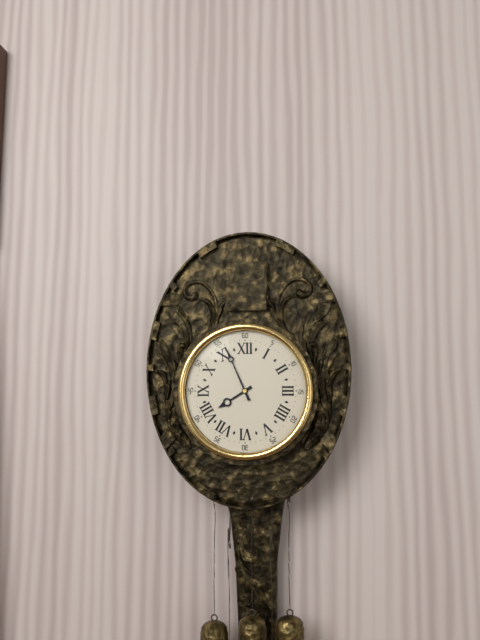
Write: 7 h 56 min
